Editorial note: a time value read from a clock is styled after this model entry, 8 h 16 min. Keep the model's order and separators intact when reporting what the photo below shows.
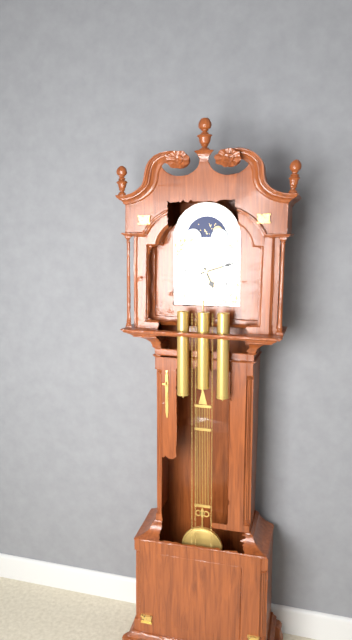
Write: 5 h 12 min
